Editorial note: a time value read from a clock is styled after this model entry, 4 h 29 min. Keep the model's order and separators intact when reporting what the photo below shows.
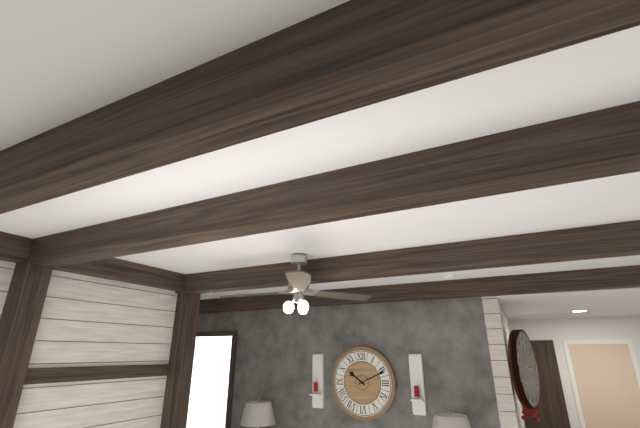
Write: 10 h 11 min
